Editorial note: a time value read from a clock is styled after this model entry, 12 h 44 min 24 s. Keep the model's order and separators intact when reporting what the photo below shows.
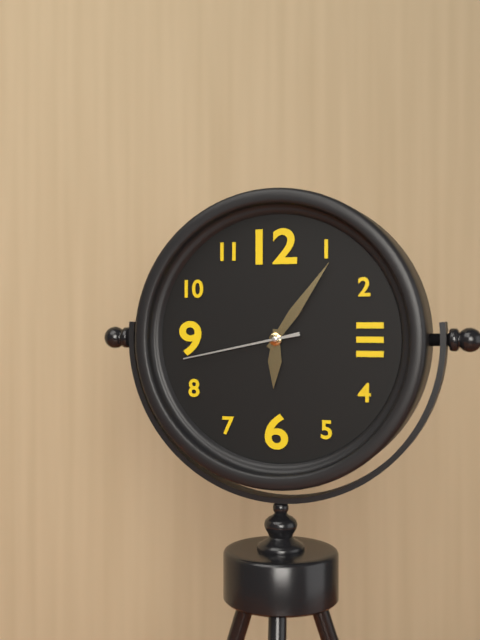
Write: 6 h 06 min 43 s
